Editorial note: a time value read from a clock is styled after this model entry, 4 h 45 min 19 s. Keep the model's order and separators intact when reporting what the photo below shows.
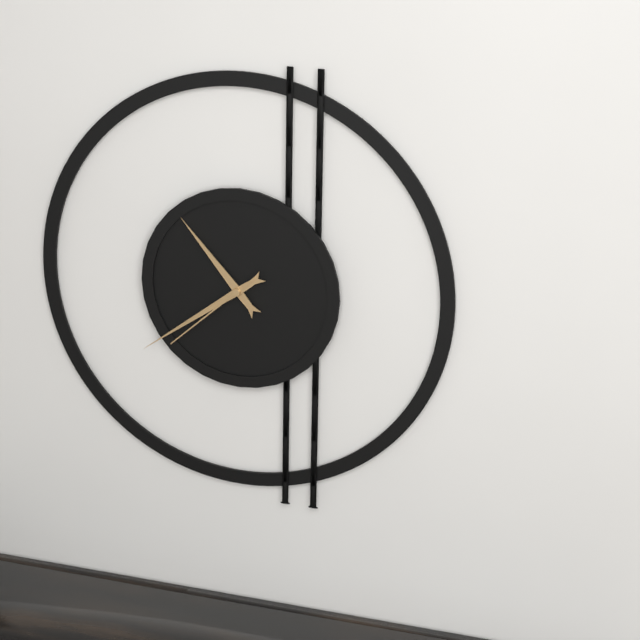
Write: 10 h 39 min 38 s
